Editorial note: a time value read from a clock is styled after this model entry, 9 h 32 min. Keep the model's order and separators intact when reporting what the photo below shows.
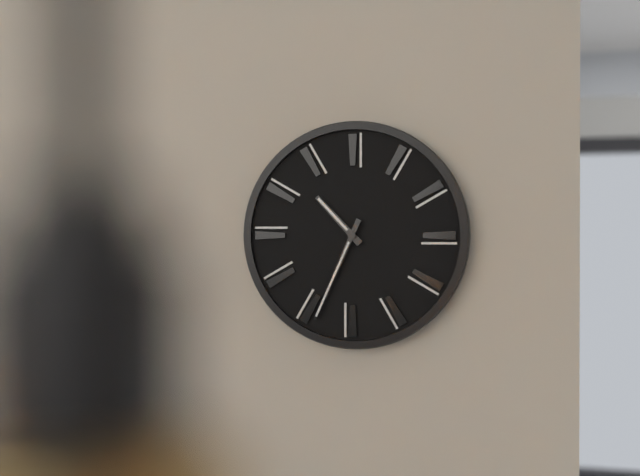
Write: 10 h 34 min
